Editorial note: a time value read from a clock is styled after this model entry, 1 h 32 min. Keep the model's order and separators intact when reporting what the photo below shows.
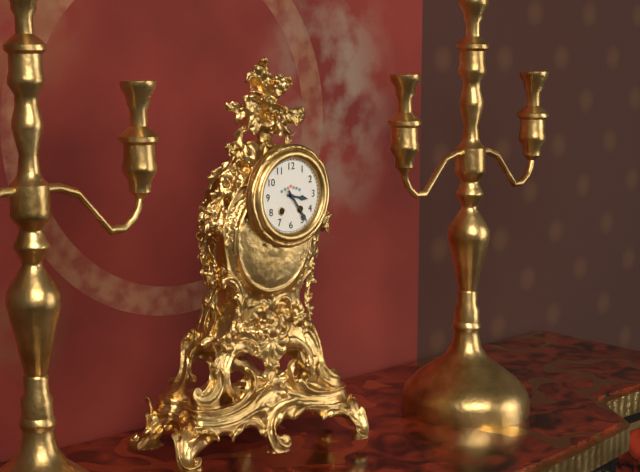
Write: 3 h 24 min
